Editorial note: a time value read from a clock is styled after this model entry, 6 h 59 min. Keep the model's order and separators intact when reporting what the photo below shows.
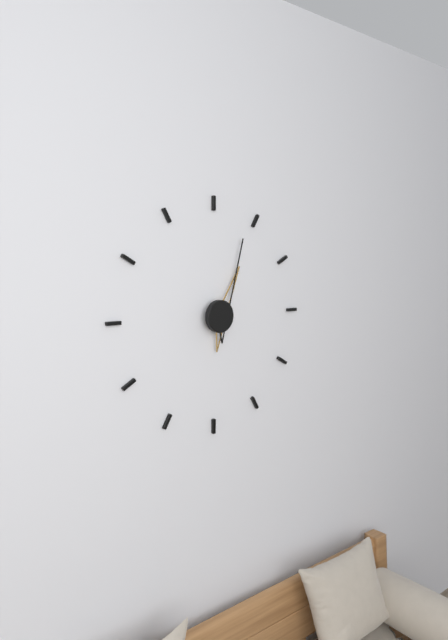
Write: 1 h 04 min
